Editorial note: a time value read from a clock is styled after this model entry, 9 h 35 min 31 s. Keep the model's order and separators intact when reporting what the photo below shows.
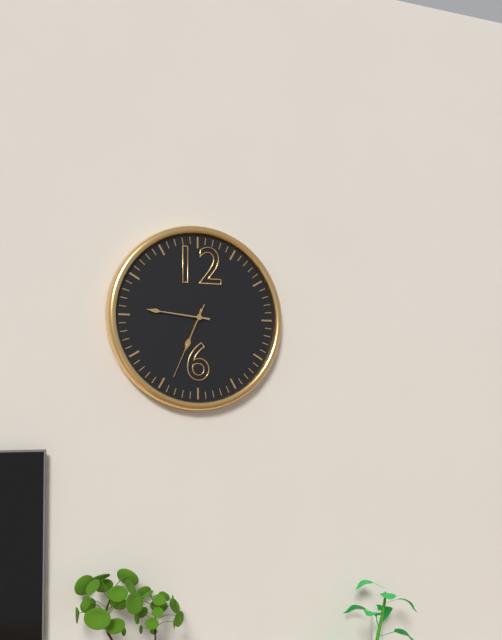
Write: 6 h 46 min 34 s
